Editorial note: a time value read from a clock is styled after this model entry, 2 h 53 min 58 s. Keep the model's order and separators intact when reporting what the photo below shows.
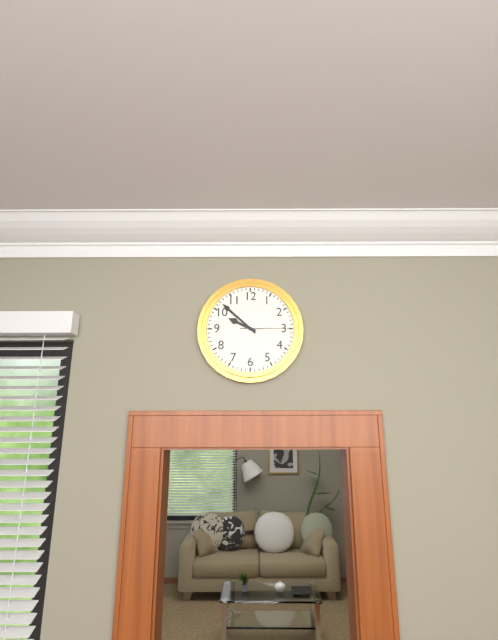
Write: 9 h 52 min 15 s
